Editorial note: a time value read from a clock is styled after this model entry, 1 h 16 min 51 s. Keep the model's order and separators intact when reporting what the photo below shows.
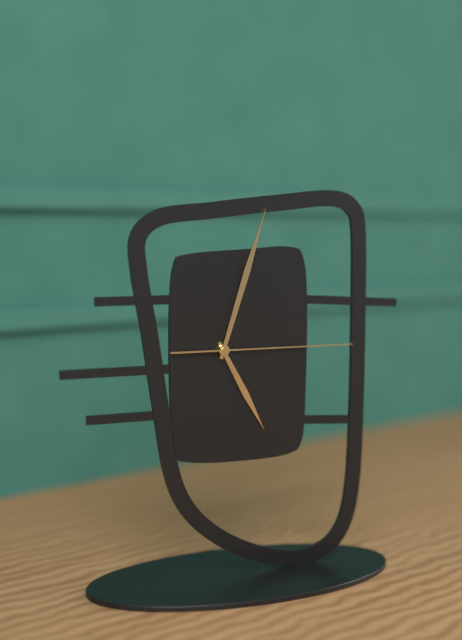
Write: 5 h 03 min 15 s
